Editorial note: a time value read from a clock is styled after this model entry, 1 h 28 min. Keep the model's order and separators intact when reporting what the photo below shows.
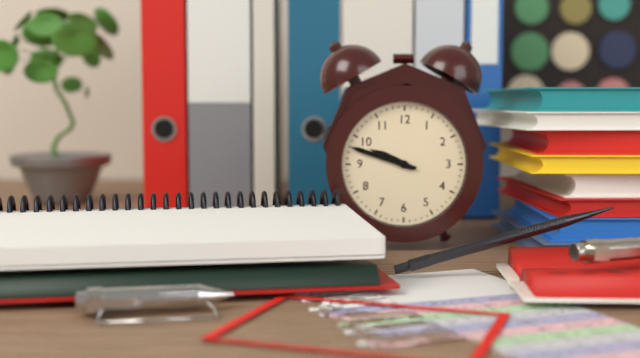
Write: 9 h 48 min
